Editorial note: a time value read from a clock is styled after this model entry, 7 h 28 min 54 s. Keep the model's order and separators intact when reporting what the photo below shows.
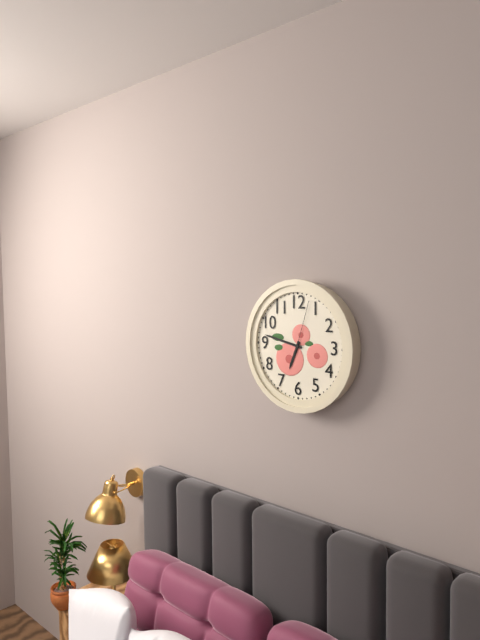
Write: 6 h 47 min 03 s
